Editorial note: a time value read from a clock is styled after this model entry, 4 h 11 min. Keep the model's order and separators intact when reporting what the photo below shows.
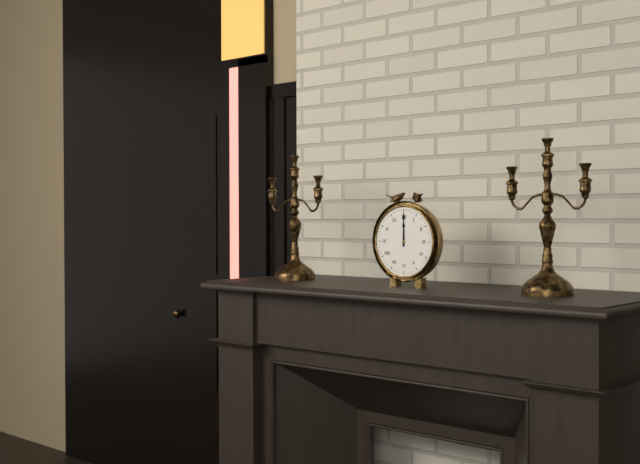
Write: 12 h 00 min
